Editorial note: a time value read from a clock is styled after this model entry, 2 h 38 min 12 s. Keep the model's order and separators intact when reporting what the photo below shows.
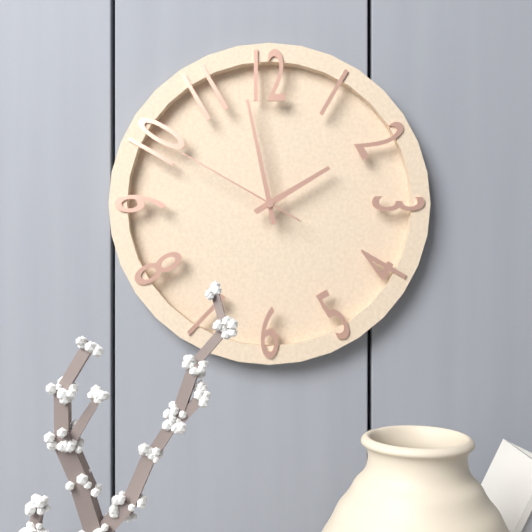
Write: 1 h 58 min 50 s
